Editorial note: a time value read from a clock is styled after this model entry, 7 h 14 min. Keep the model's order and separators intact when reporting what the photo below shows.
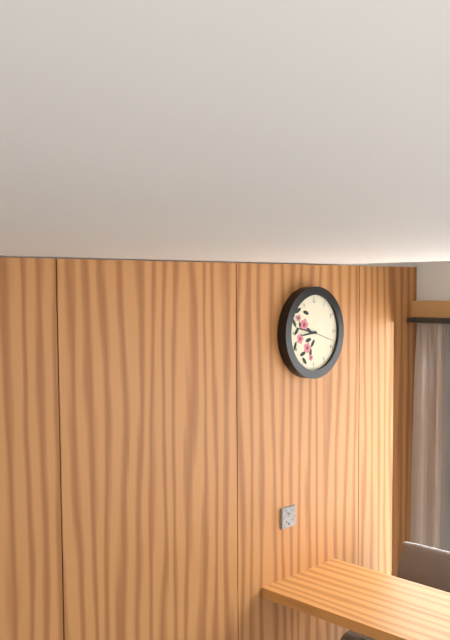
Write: 8 h 47 min
